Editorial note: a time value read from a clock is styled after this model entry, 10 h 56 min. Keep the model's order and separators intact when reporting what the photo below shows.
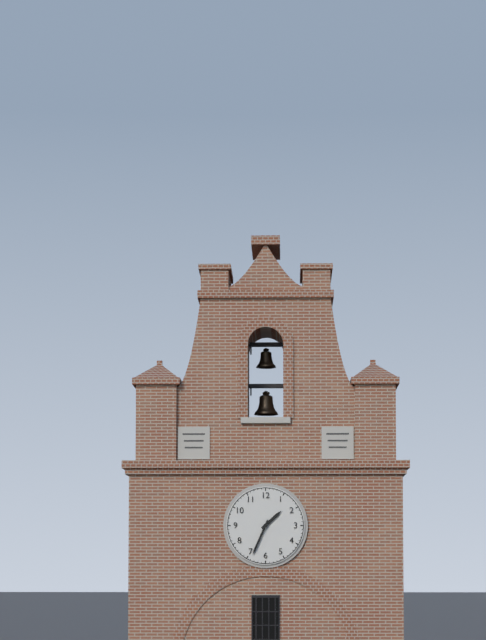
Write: 1 h 34 min
